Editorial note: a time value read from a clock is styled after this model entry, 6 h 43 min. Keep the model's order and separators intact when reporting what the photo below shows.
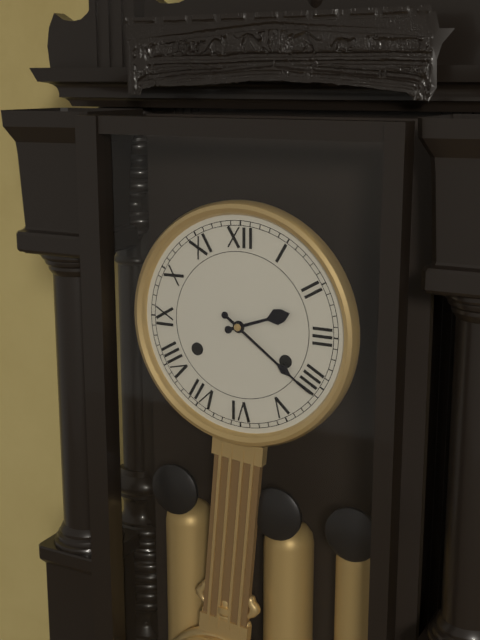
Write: 2 h 21 min
